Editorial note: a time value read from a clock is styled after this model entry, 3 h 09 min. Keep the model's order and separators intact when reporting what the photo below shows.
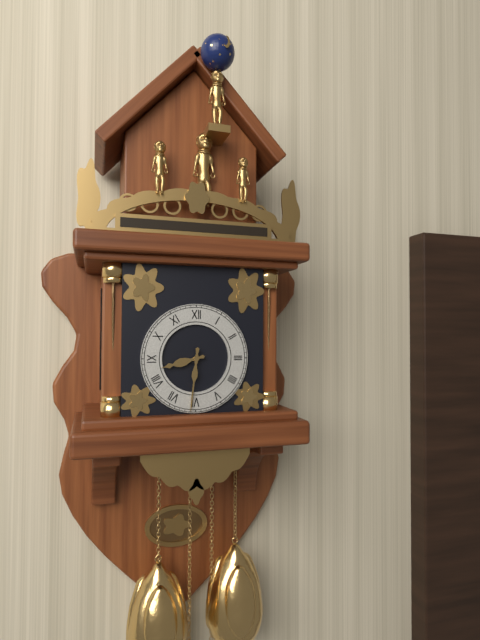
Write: 8 h 31 min
